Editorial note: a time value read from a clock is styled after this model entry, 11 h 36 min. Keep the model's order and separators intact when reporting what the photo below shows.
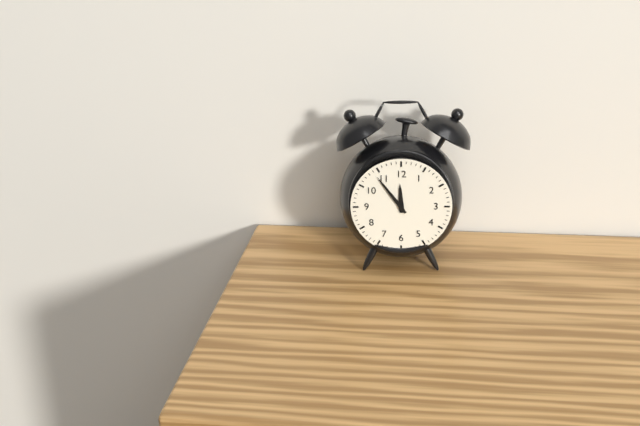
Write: 11 h 54 min
